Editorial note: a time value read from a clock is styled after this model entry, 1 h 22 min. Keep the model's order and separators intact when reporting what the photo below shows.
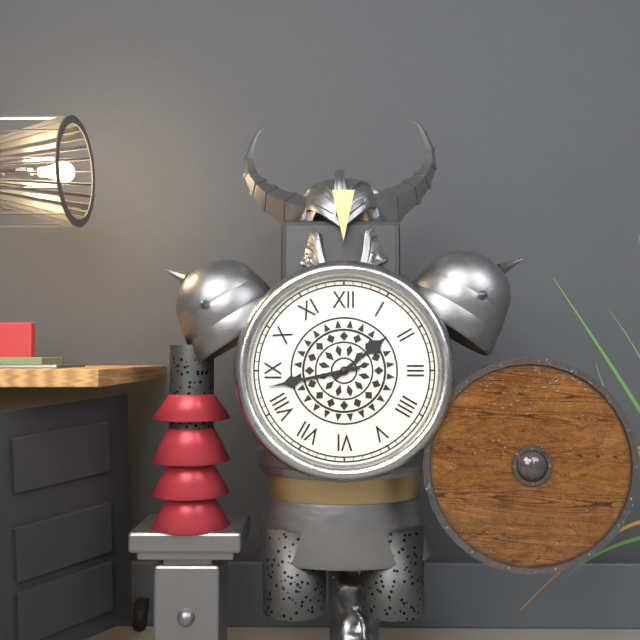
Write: 1 h 43 min
